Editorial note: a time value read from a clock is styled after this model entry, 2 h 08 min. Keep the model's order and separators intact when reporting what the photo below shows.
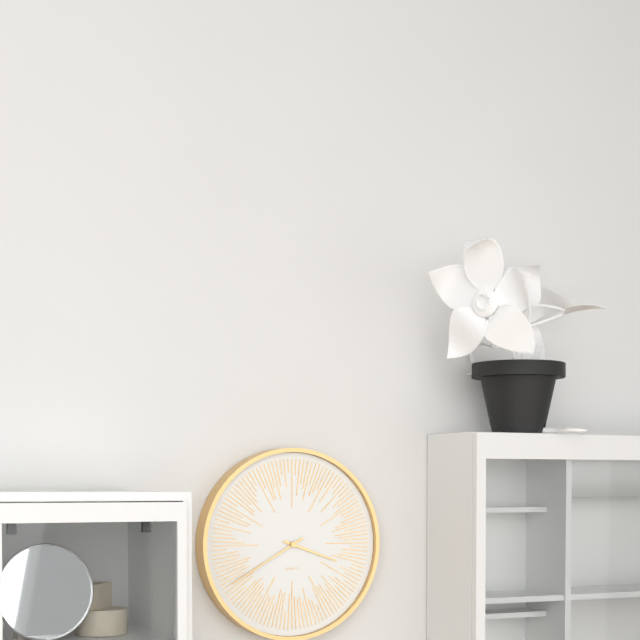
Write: 3 h 40 min
